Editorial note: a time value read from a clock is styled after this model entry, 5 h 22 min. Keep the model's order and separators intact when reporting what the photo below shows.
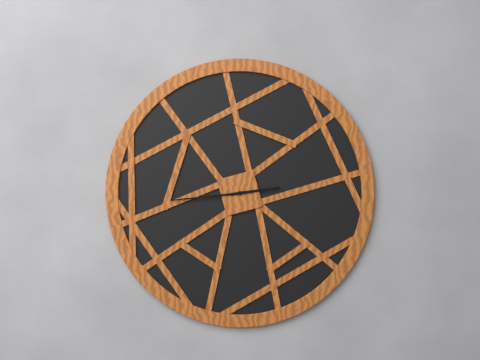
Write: 2 h 44 min
